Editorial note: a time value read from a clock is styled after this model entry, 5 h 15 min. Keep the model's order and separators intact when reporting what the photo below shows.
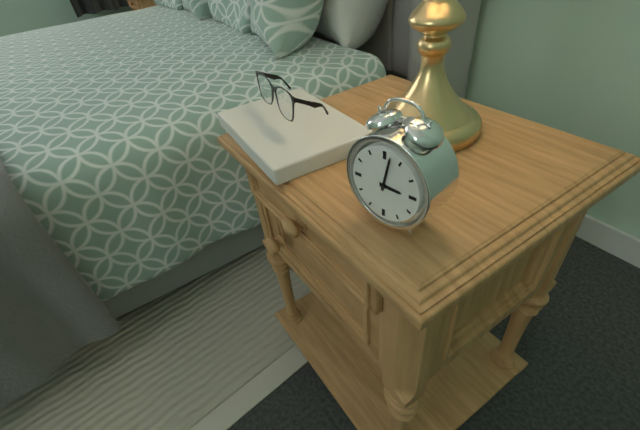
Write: 3 h 02 min
